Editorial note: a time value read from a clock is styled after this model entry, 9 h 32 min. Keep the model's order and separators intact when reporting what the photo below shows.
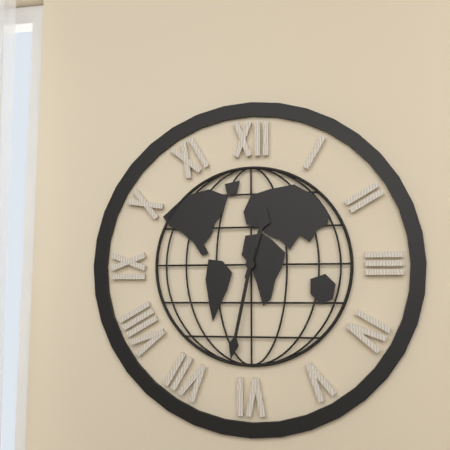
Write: 12 h 32 min
